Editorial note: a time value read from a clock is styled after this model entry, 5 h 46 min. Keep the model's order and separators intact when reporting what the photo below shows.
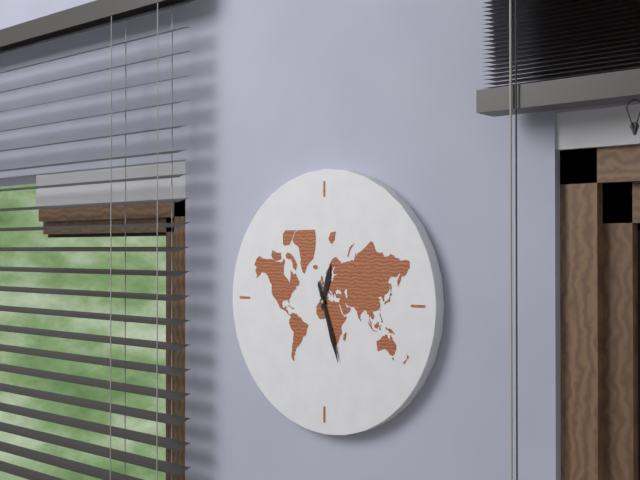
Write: 12 h 27 min
